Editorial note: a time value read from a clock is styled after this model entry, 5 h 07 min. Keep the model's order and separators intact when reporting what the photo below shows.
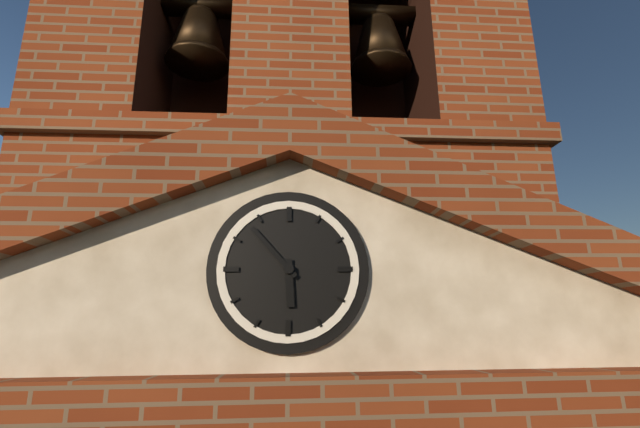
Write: 5 h 53 min
